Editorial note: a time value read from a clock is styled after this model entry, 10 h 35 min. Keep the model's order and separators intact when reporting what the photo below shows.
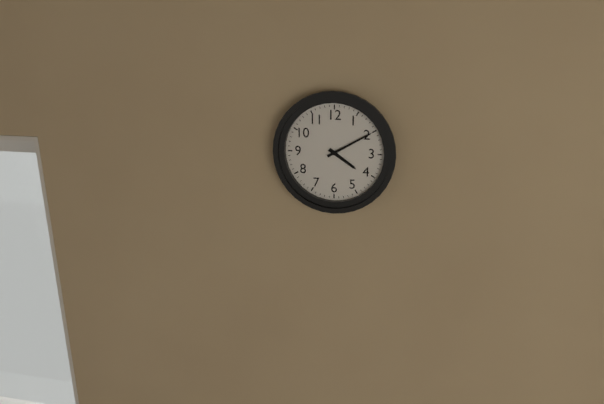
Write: 4 h 10 min
